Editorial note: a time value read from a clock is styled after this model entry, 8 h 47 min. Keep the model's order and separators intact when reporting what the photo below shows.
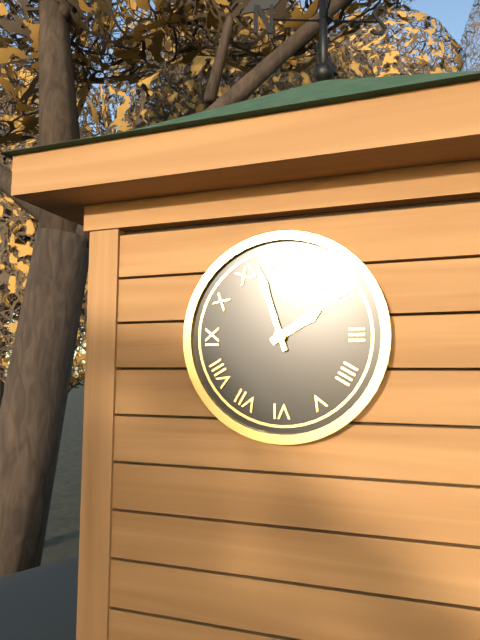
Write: 1 h 57 min
